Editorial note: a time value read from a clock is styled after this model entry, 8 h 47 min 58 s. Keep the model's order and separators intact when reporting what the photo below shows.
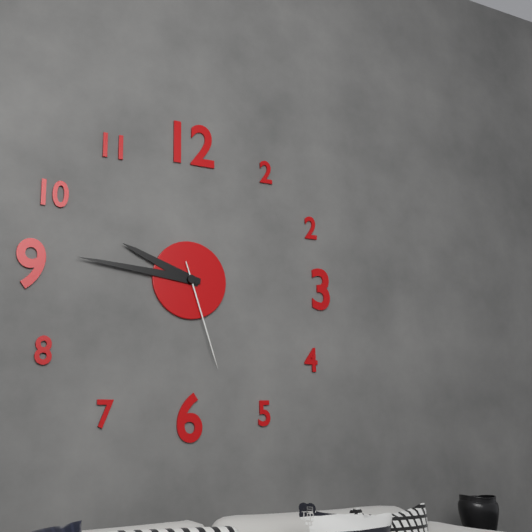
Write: 9 h 46 min 27 s
